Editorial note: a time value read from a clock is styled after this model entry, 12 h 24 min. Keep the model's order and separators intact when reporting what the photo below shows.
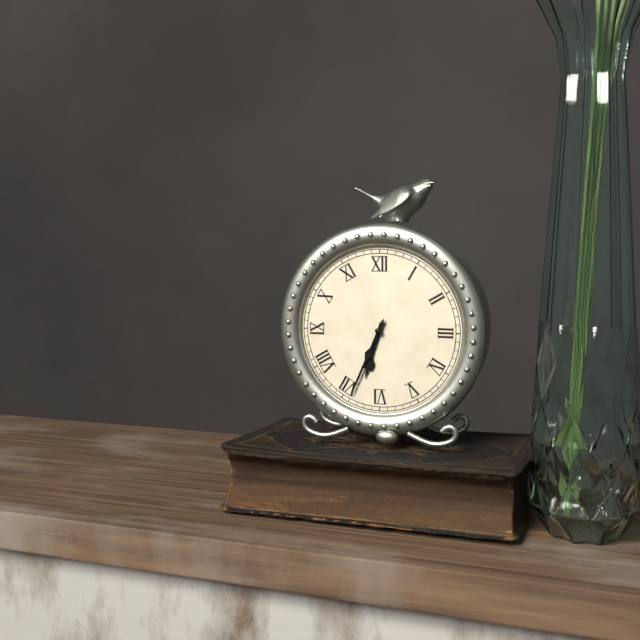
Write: 6 h 34 min
